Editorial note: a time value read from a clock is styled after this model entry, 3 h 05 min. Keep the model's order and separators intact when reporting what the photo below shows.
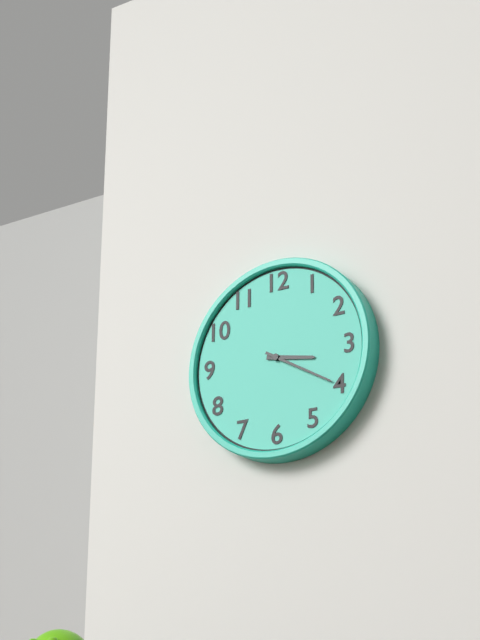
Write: 3 h 20 min
